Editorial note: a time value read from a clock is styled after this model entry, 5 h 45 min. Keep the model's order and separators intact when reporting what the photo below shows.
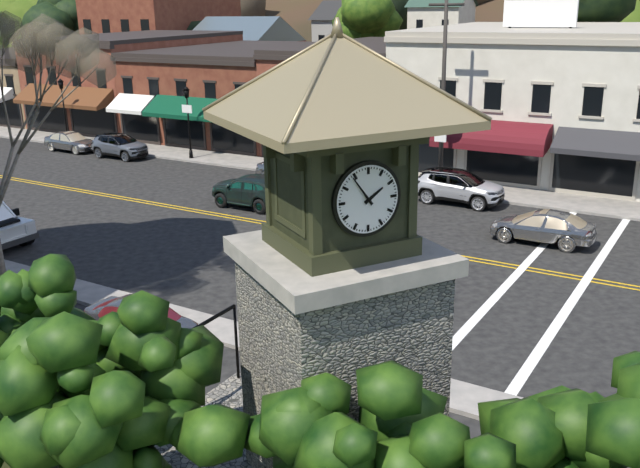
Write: 1 h 54 min
